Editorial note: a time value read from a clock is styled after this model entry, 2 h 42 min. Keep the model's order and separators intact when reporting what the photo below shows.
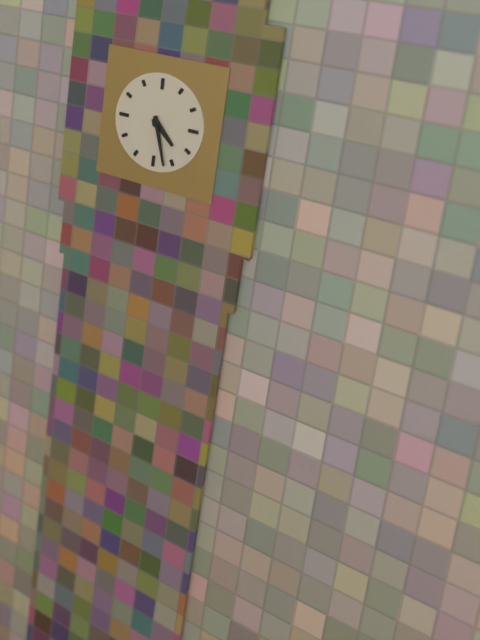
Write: 4 h 27 min
